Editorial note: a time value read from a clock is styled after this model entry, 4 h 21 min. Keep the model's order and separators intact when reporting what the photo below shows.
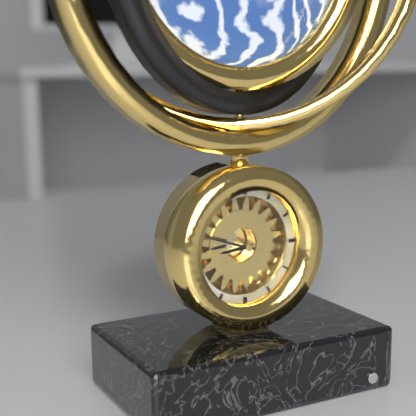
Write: 8 h 48 min
